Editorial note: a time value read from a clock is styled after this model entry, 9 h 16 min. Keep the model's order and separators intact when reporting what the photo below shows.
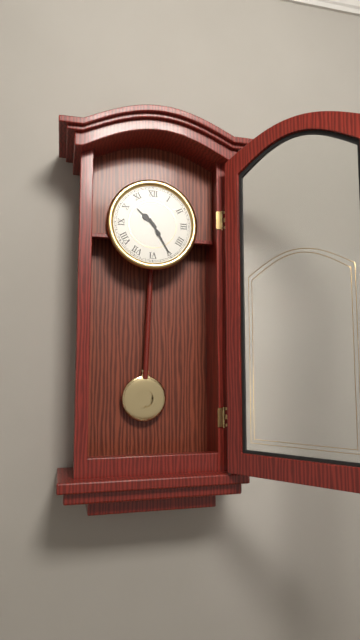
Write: 10 h 25 min
